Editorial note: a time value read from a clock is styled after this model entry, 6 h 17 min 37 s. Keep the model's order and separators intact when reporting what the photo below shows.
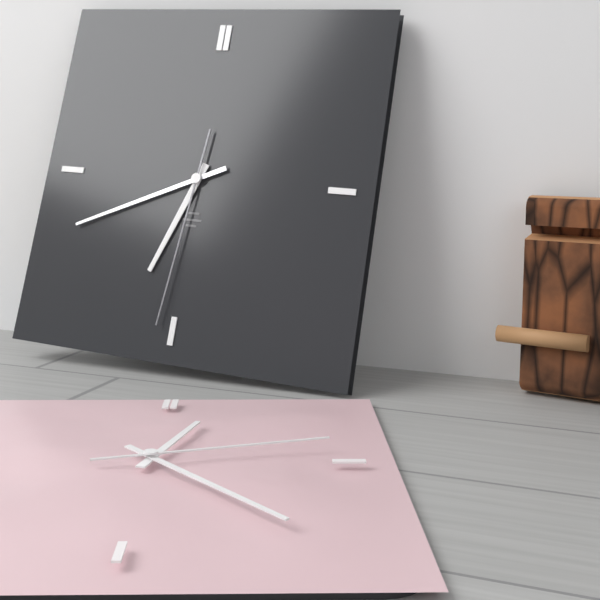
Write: 6 h 41 min 31 s
